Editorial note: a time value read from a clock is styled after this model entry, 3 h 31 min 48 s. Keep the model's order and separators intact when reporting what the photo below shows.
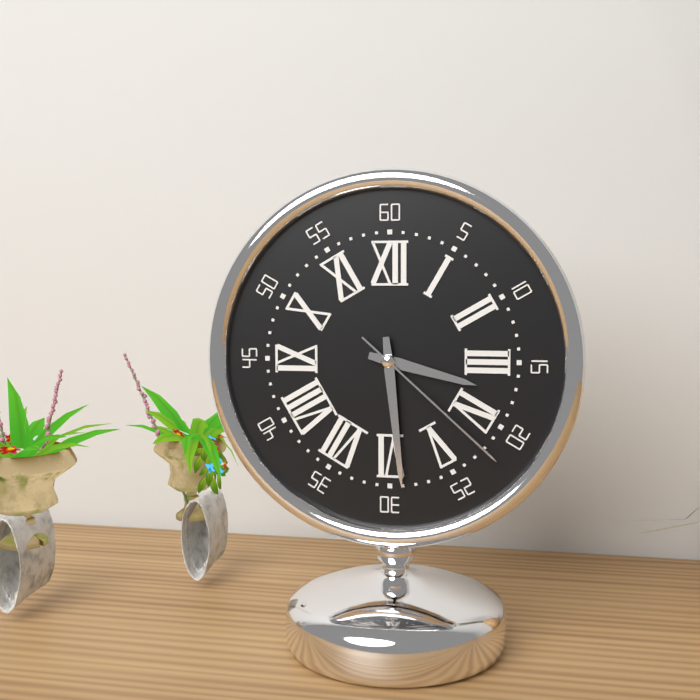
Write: 3 h 29 min 22 s
